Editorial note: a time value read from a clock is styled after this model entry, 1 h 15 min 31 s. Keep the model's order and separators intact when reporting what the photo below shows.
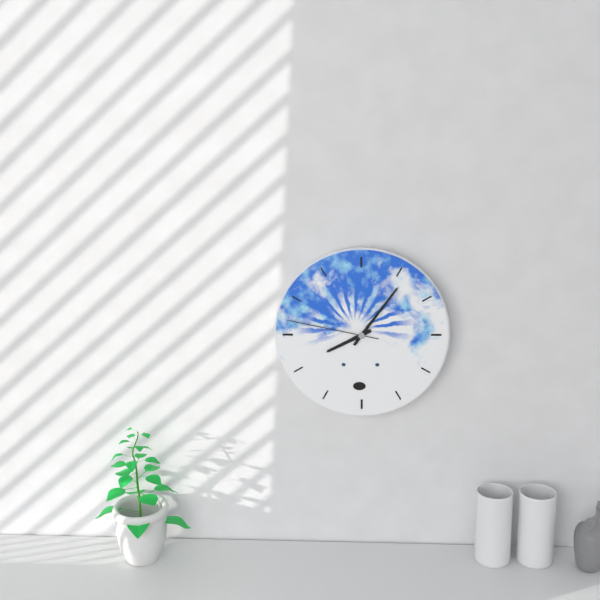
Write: 8 h 06 min 47 s
